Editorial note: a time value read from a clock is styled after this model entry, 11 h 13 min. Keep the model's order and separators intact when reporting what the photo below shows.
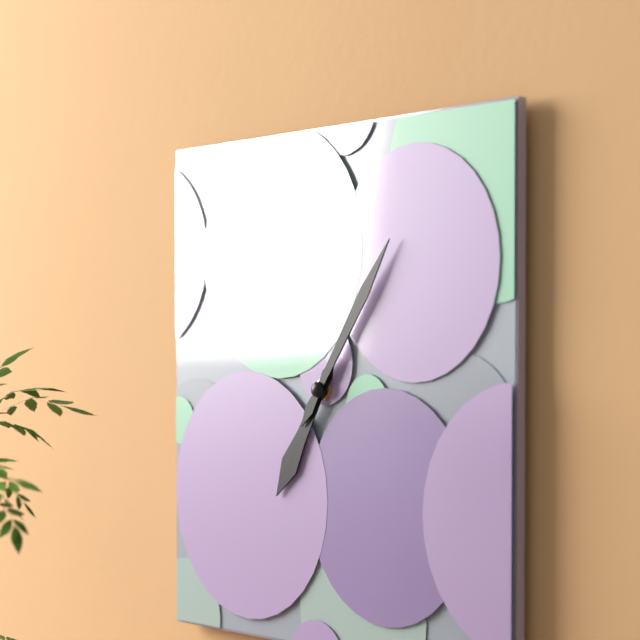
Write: 7 h 06 min
